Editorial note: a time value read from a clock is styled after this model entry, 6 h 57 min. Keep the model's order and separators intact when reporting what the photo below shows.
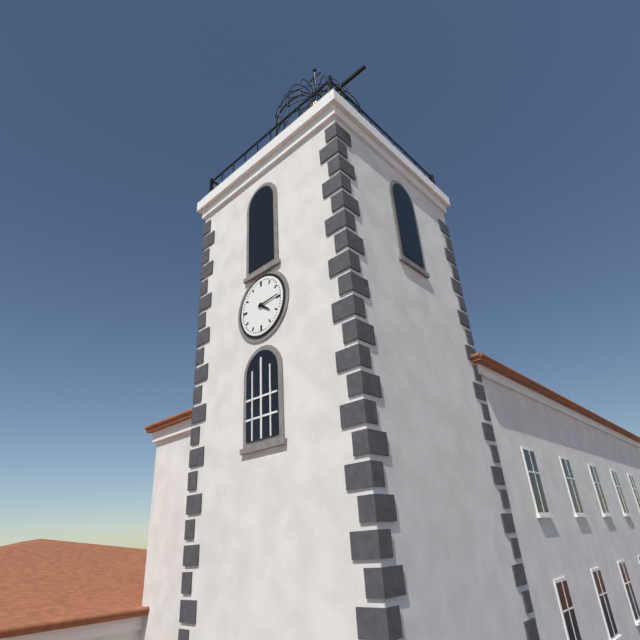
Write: 4 h 14 min
